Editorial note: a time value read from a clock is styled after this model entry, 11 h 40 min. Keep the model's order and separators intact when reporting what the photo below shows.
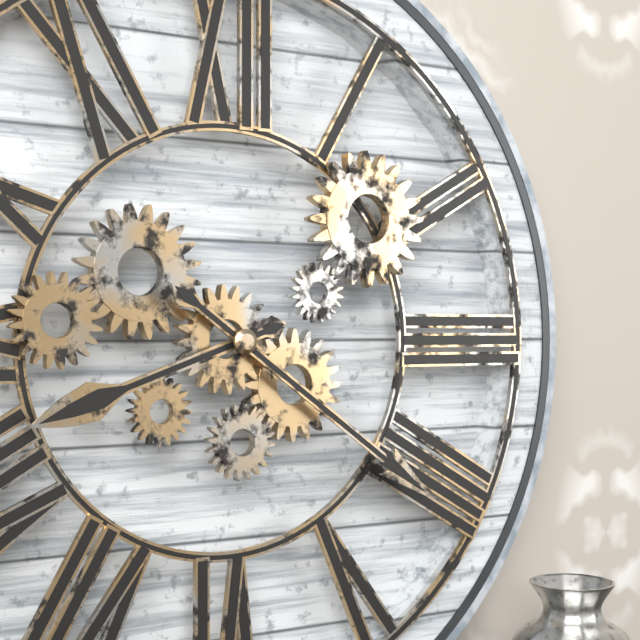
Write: 8 h 21 min
